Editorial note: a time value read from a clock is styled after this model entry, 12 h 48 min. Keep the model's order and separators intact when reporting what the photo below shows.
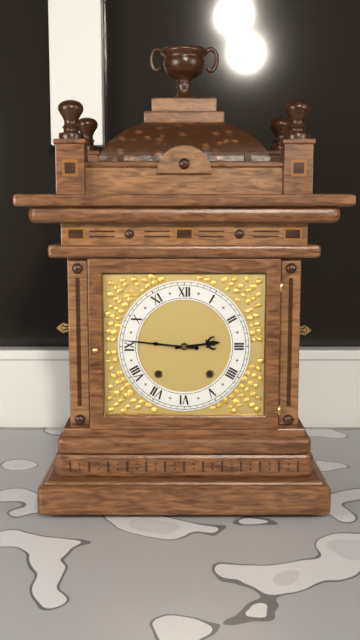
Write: 2 h 46 min
